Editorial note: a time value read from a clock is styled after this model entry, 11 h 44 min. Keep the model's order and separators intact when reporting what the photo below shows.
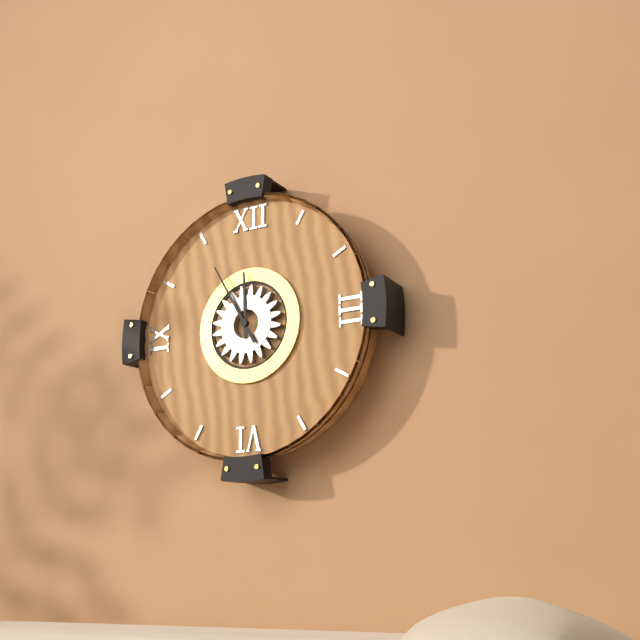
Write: 11 h 55 min
